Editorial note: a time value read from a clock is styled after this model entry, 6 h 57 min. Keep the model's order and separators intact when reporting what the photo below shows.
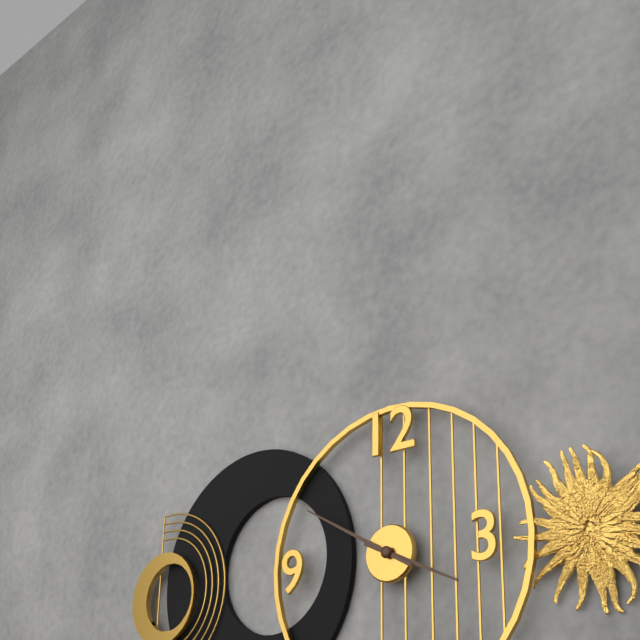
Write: 3 h 50 min
